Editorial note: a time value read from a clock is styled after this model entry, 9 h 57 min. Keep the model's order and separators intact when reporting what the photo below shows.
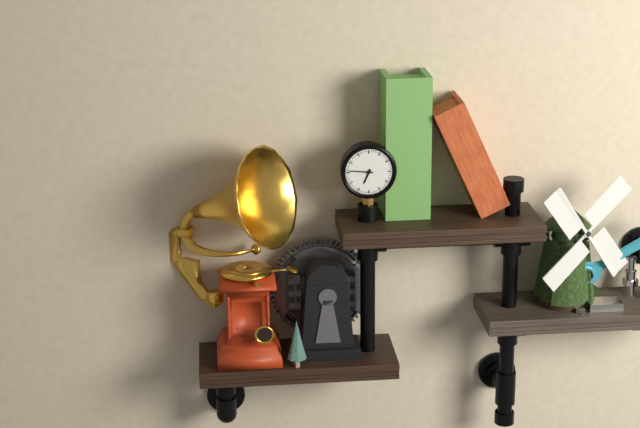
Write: 6 h 46 min
